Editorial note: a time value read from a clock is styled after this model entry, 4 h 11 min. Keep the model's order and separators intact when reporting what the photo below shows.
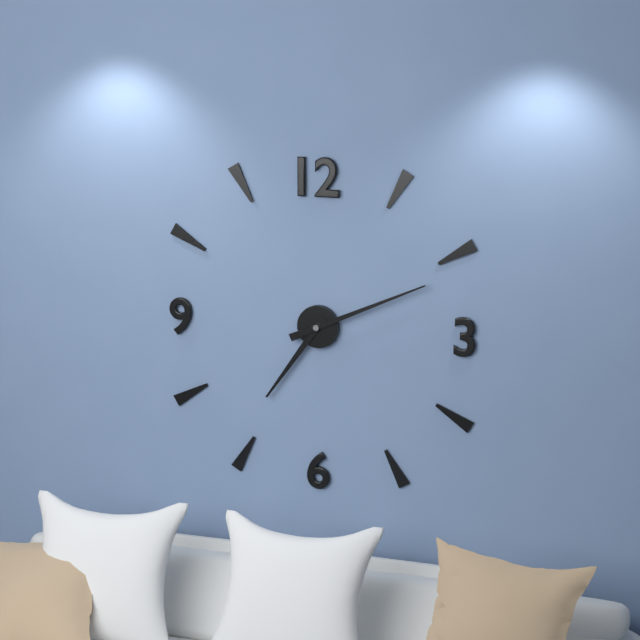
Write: 7 h 11 min
